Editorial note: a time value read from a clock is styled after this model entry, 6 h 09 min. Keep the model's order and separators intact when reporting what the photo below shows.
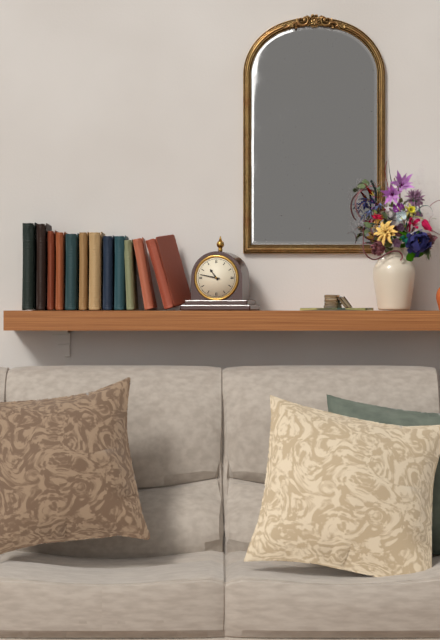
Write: 10 h 47 min
